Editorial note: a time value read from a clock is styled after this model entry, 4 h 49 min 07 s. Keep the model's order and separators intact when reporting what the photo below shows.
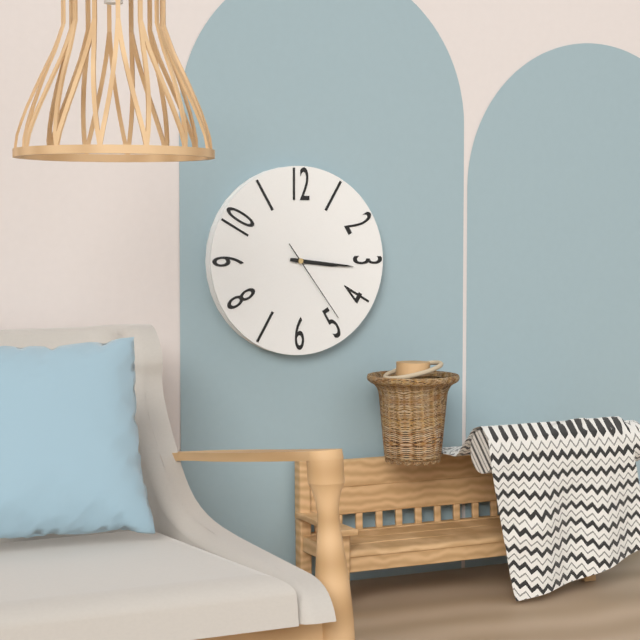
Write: 3 h 16 min 24 s
